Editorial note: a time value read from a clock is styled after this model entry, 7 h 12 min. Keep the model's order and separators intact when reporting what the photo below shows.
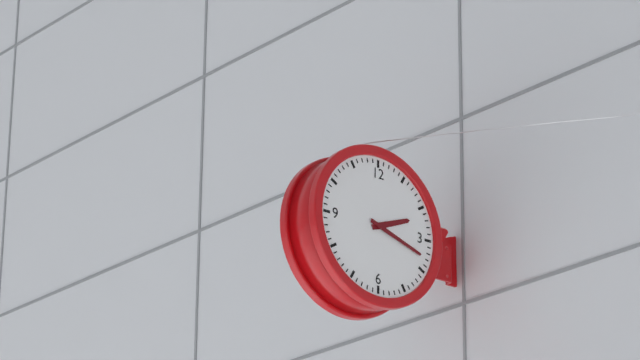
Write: 2 h 18 min
